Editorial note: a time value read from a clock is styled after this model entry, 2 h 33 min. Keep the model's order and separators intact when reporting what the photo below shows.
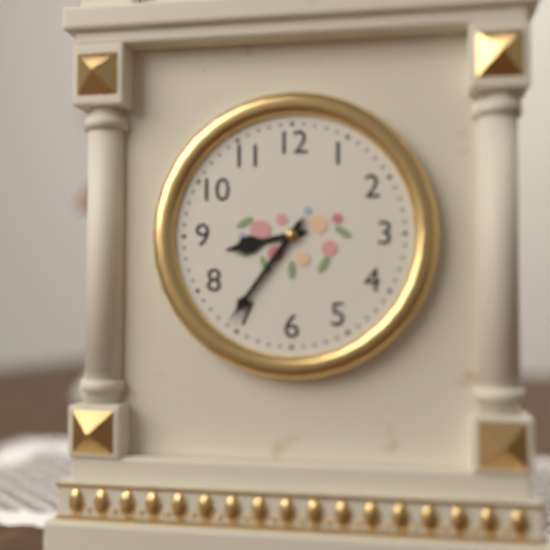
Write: 8 h 36 min
